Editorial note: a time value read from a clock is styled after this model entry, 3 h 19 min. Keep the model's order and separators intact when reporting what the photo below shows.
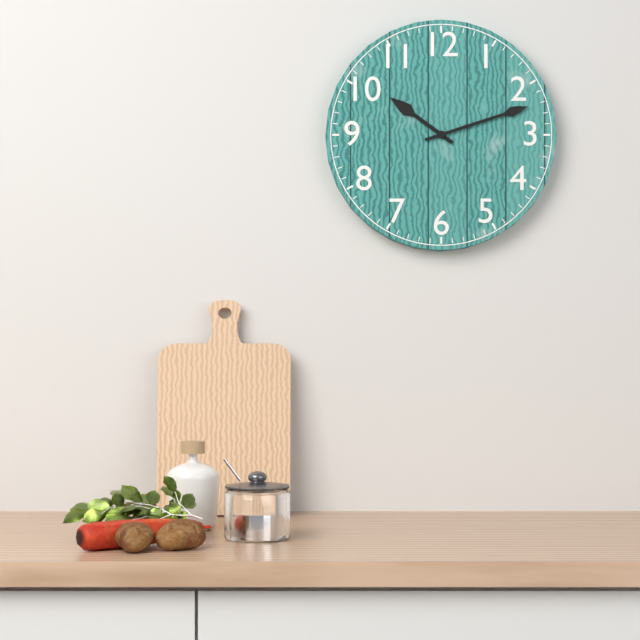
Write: 10 h 12 min
